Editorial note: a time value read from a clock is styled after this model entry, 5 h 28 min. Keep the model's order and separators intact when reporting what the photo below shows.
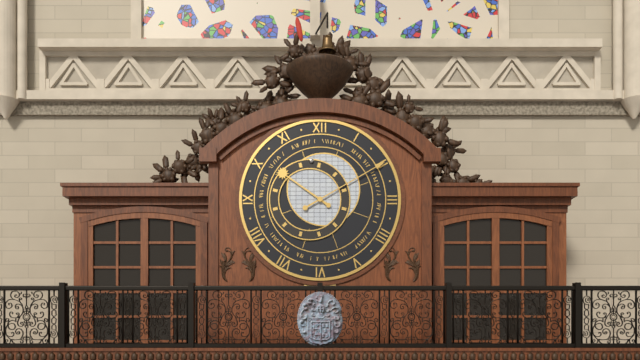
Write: 10 h 10 min
